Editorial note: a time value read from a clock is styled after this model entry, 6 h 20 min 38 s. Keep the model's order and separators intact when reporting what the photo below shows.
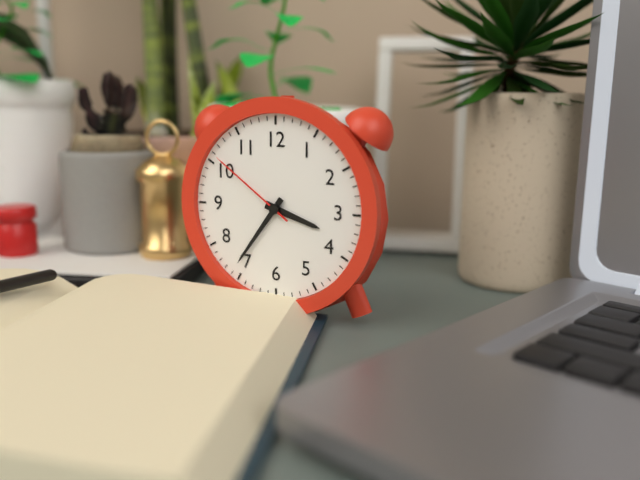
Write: 3 h 36 min 51 s
